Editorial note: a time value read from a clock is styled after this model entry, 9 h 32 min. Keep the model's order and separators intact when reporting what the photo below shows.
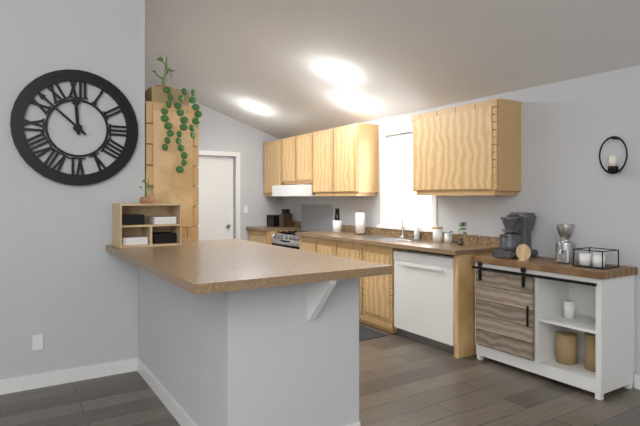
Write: 11 h 52 min
